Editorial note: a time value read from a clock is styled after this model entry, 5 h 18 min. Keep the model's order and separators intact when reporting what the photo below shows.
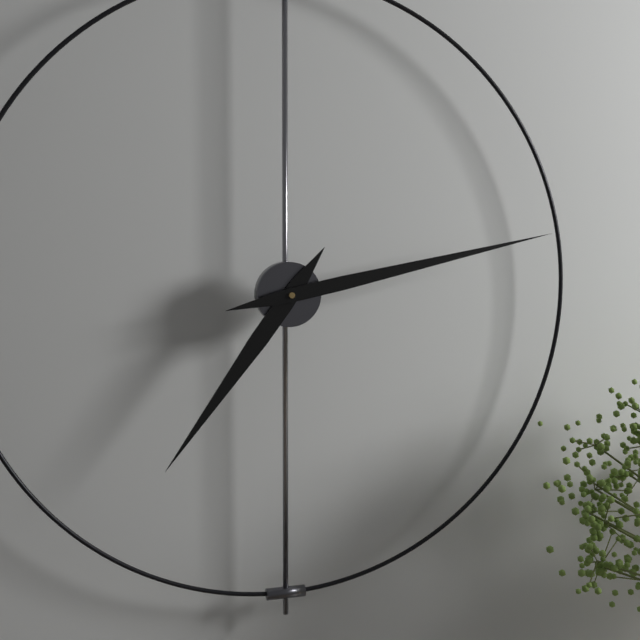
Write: 7 h 13 min
